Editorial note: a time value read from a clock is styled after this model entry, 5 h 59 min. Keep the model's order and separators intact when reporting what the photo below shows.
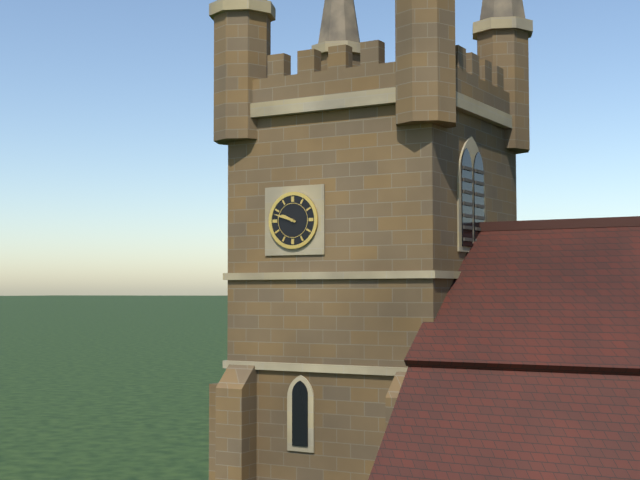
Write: 9 h 48 min
